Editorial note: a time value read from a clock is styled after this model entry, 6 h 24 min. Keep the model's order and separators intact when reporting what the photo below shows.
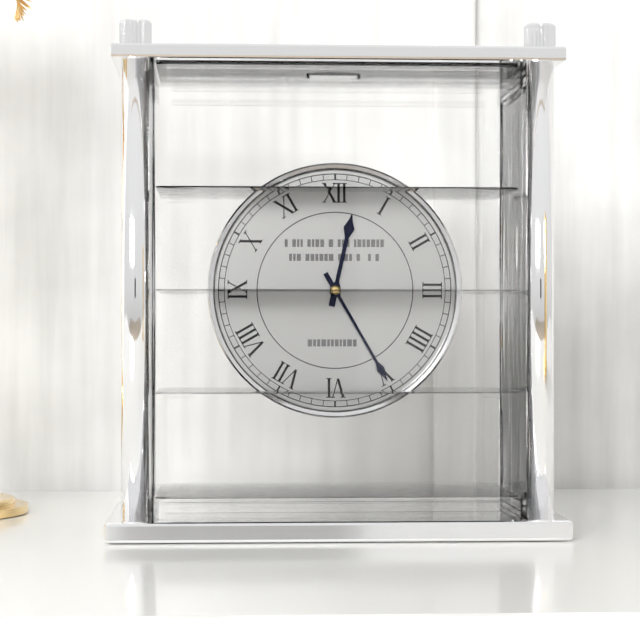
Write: 12 h 25 min
